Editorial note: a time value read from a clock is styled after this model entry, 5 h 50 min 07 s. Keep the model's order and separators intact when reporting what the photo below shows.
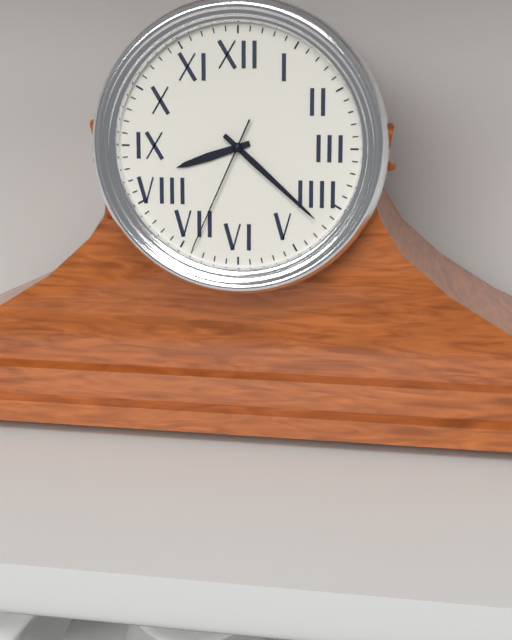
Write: 8 h 22 min 34 s
